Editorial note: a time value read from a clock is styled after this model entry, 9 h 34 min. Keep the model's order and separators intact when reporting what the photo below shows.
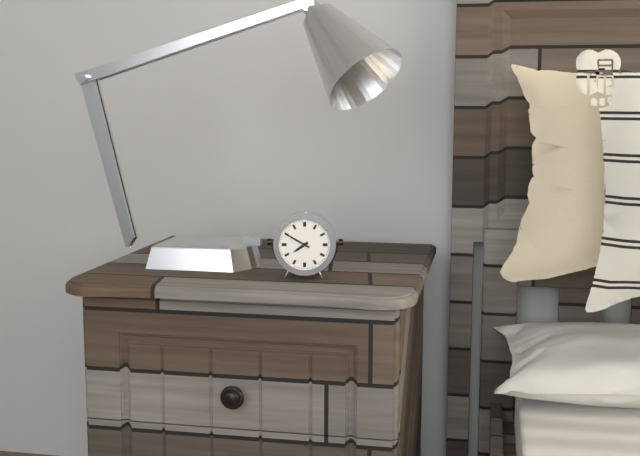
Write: 7 h 50 min
